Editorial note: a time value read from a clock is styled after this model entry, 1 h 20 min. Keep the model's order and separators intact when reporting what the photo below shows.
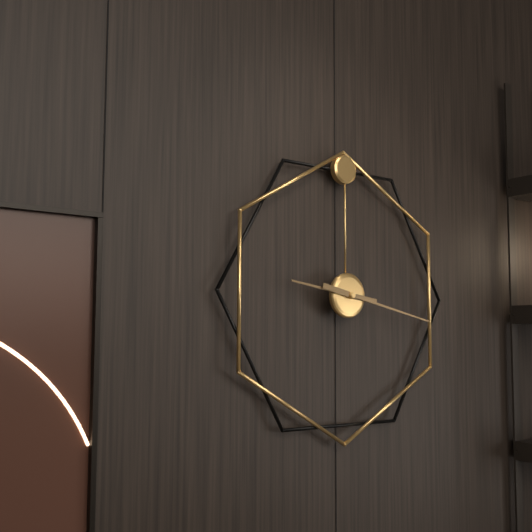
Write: 9 h 17 min
